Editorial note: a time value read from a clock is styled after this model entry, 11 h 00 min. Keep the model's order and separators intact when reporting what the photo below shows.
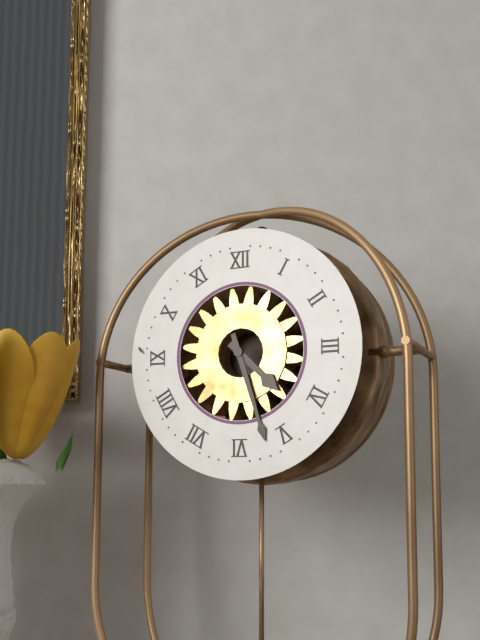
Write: 4 h 27 min
